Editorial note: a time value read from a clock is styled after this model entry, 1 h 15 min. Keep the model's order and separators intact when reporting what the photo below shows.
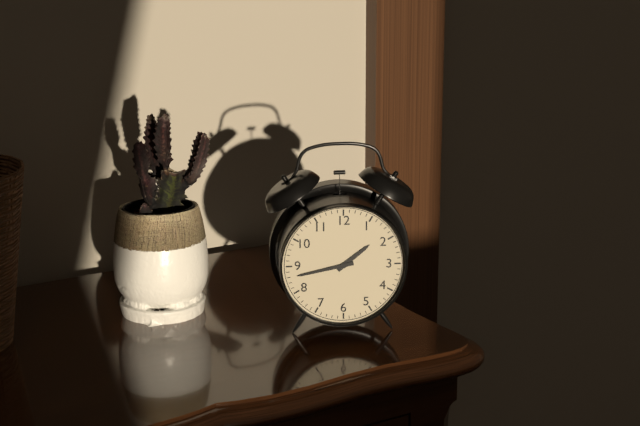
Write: 1 h 43 min
